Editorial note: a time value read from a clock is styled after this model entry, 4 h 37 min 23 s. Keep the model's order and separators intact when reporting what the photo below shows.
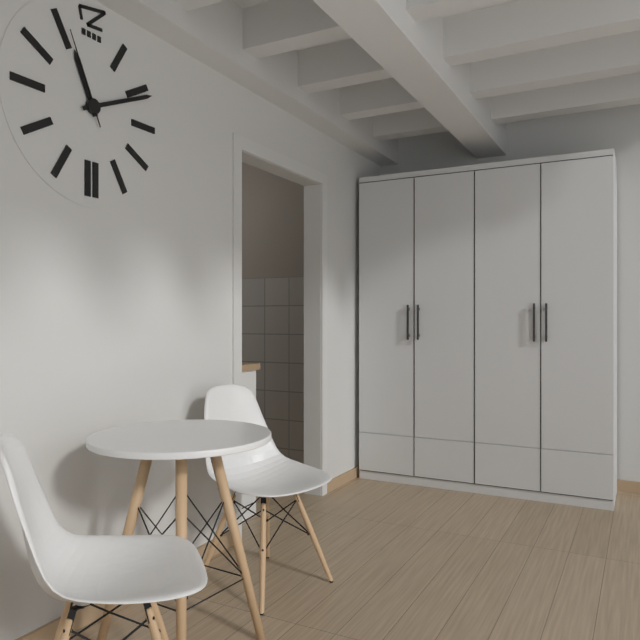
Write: 11 h 11 min 56 s
